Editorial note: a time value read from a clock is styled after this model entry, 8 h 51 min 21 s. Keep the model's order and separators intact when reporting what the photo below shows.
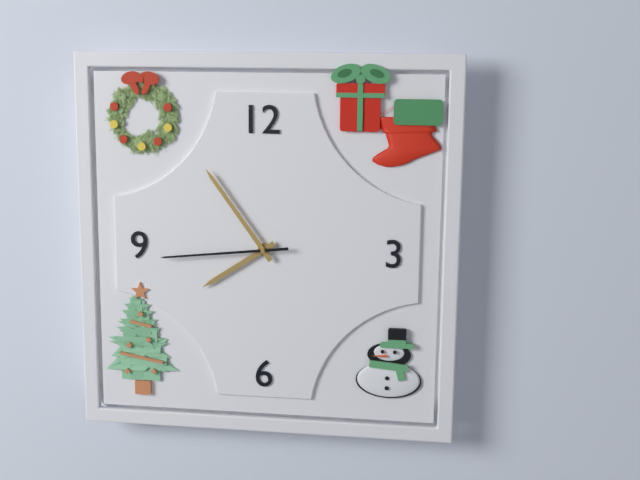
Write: 7 h 54 min 44 s
